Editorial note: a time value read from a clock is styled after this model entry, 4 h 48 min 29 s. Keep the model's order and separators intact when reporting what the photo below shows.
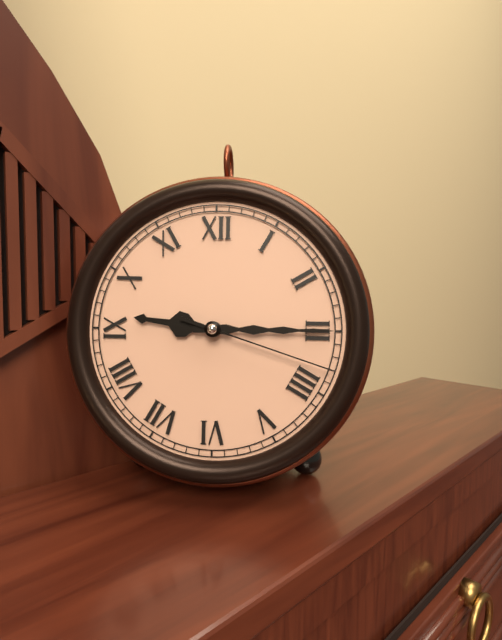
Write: 9 h 15 min 18 s
